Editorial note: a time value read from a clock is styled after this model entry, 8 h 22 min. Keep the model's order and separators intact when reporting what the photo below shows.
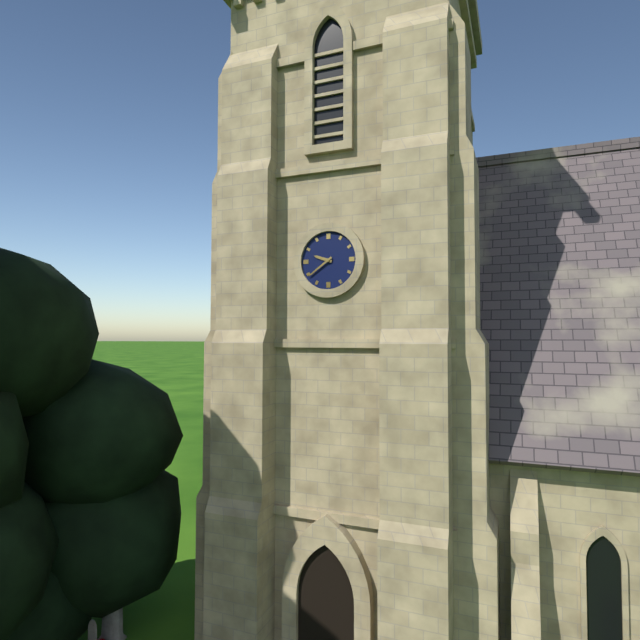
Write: 9 h 39 min
